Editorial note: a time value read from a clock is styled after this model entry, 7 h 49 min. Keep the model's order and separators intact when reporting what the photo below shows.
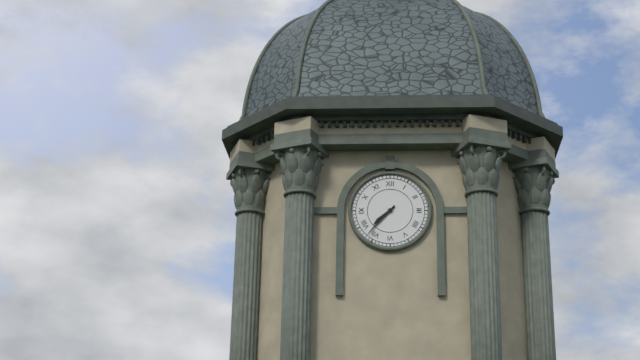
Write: 7 h 37 min
